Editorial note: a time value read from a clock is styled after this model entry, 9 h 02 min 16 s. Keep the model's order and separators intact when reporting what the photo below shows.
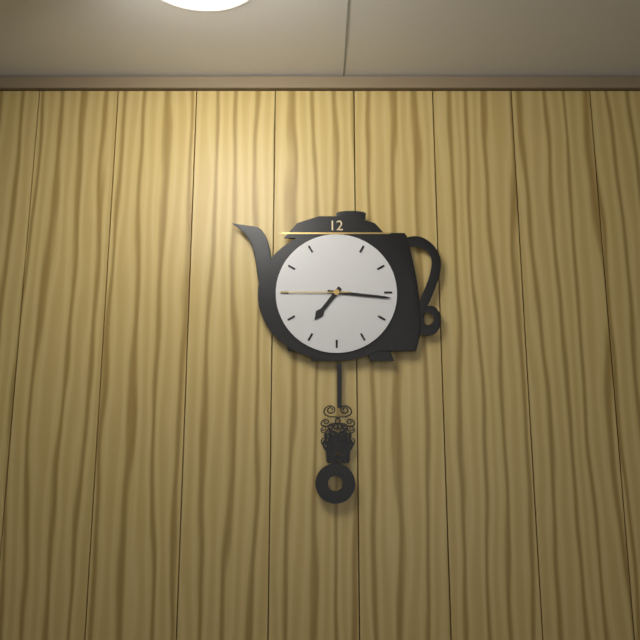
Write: 7 h 16 min 45 s
